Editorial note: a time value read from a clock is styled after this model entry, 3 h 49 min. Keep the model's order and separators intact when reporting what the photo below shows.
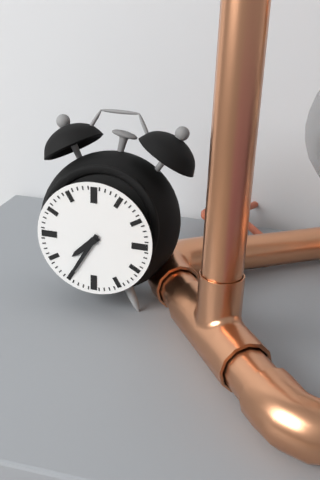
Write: 7 h 35 min
